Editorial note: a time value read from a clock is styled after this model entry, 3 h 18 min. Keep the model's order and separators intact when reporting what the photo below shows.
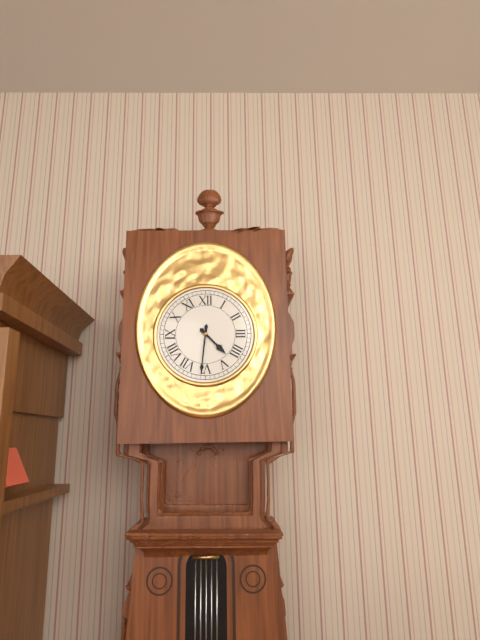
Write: 4 h 31 min
